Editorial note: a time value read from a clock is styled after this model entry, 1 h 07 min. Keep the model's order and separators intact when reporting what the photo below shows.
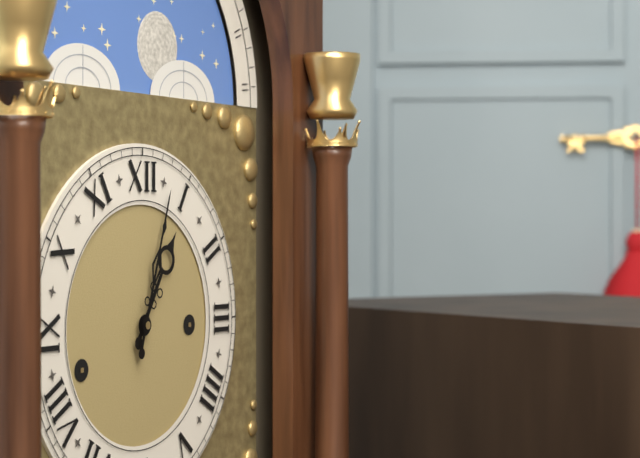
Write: 1 h 03 min
